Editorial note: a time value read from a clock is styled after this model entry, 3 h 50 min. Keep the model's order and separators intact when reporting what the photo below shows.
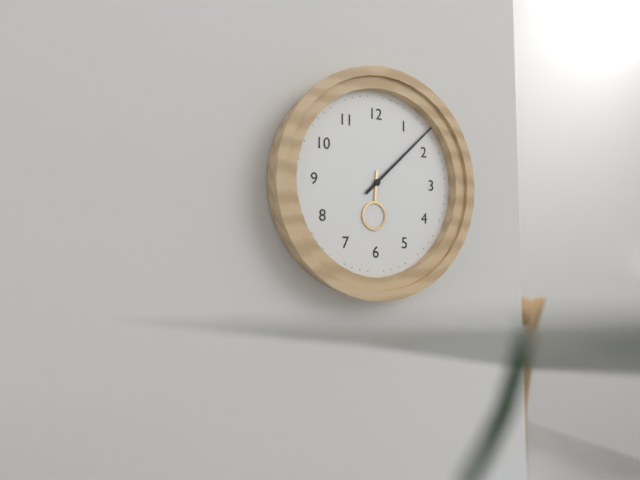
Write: 6 h 08 min
